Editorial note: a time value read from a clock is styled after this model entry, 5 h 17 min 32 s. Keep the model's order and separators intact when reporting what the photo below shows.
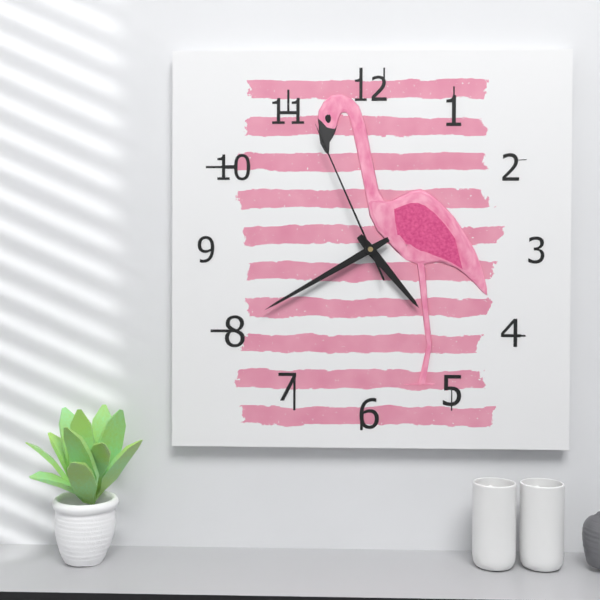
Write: 4 h 40 min 56 s
